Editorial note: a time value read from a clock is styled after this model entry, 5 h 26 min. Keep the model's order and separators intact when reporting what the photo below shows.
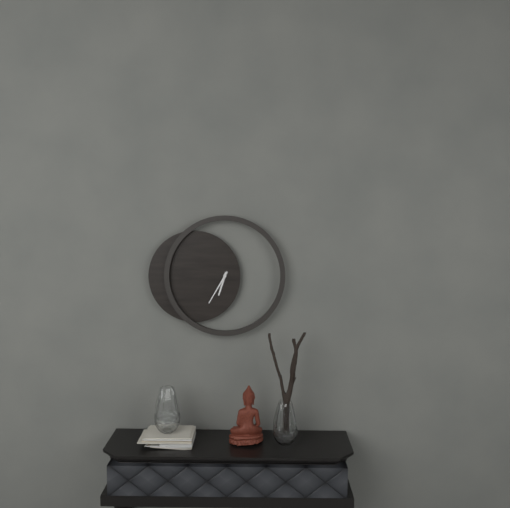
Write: 6 h 35 min
